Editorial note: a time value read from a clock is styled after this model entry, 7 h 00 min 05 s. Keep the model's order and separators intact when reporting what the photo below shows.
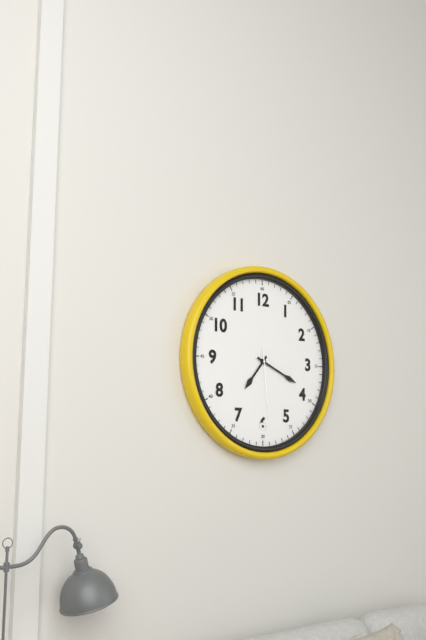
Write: 7 h 19 min 29 s
